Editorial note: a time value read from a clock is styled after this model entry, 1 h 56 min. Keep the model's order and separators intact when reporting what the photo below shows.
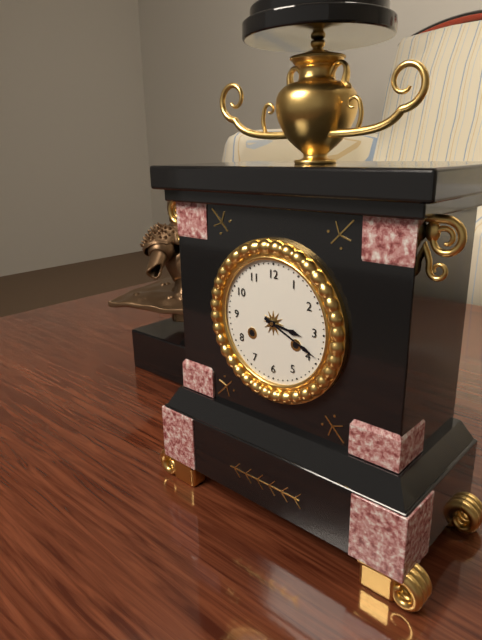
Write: 3 h 19 min
